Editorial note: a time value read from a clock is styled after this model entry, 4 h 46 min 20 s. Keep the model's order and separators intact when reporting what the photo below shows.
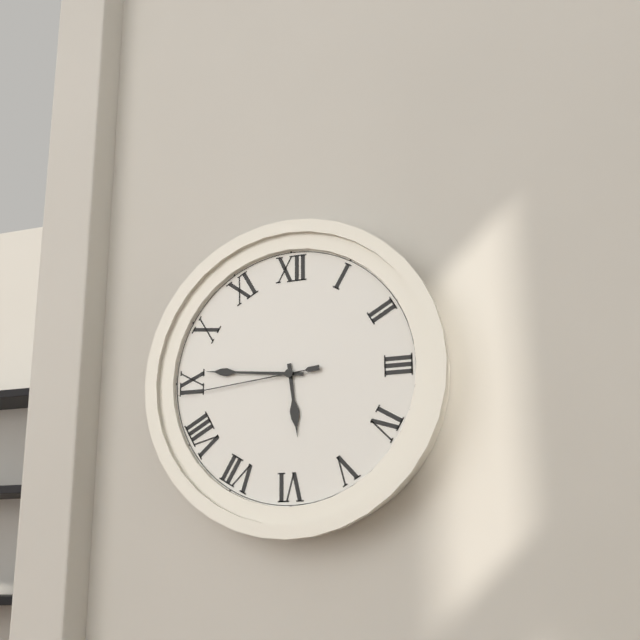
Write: 5 h 46 min 44 s
